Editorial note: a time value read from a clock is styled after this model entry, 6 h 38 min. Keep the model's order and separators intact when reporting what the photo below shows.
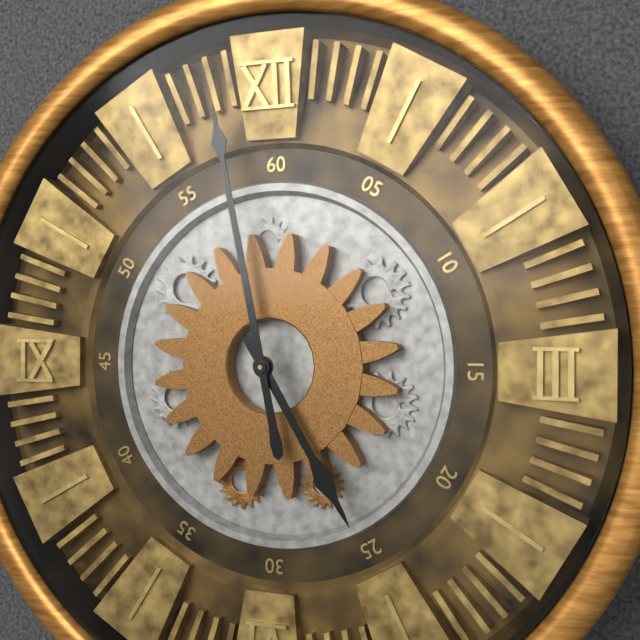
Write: 4 h 58 min
